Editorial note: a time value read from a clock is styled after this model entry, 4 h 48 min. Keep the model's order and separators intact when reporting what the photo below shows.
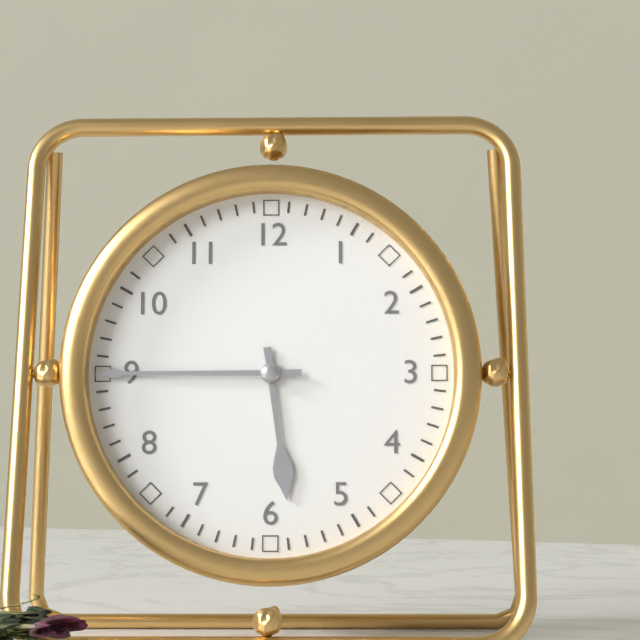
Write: 5 h 45 min
